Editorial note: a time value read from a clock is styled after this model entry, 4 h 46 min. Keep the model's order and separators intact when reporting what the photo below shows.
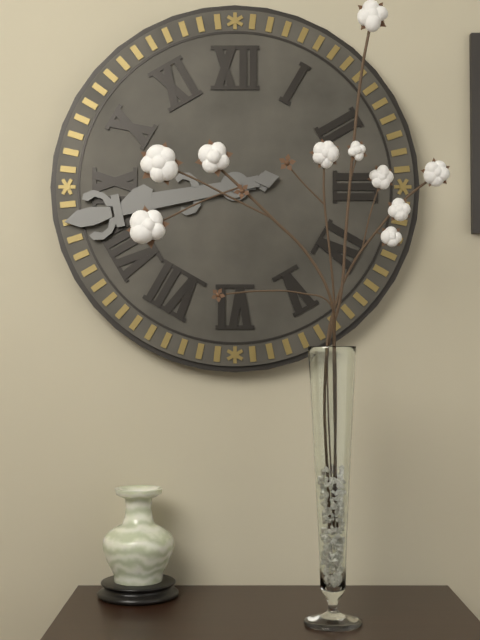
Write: 8 h 43 min
